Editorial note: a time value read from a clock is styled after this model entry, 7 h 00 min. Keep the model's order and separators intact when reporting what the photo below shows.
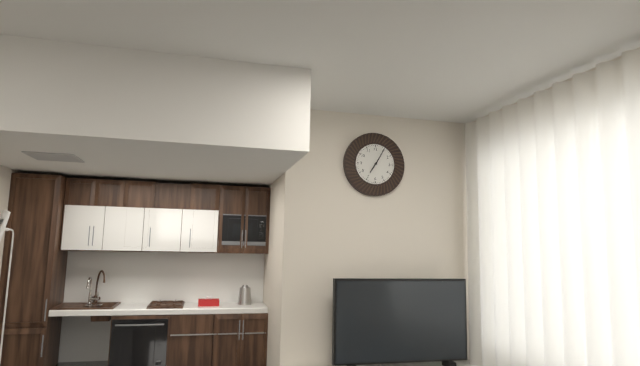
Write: 7 h 05 min
